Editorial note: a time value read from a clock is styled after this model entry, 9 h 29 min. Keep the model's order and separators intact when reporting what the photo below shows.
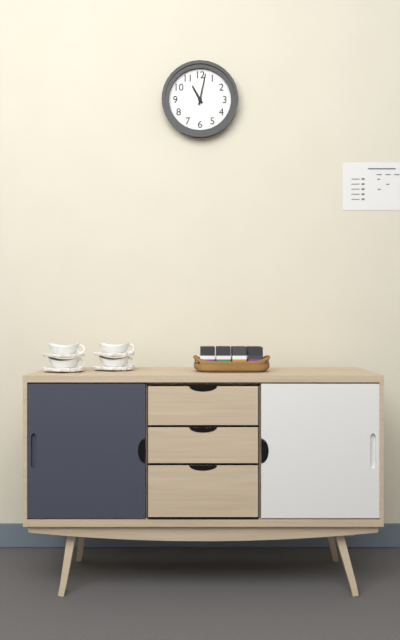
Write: 11 h 02 min
